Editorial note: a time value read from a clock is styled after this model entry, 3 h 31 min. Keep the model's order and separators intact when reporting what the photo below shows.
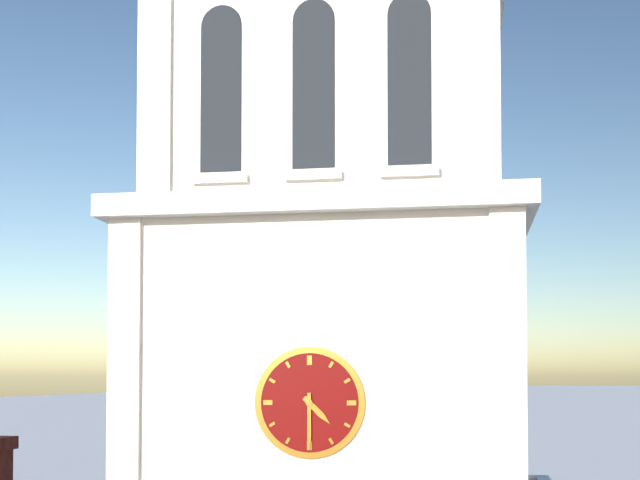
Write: 4 h 30 min
